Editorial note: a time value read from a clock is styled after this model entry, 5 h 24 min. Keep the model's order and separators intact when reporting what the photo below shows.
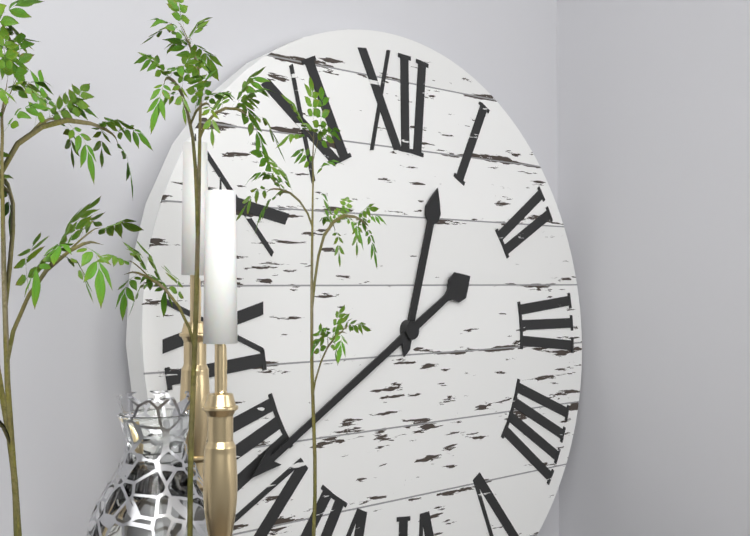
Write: 12 h 40 min
